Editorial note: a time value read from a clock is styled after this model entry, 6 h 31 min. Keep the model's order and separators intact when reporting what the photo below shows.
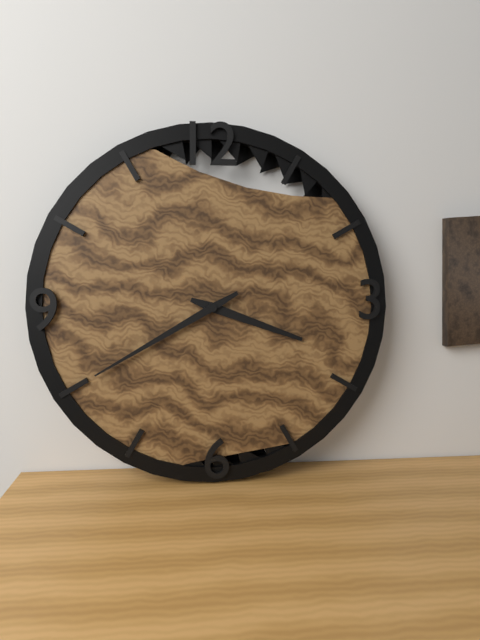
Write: 3 h 40 min
